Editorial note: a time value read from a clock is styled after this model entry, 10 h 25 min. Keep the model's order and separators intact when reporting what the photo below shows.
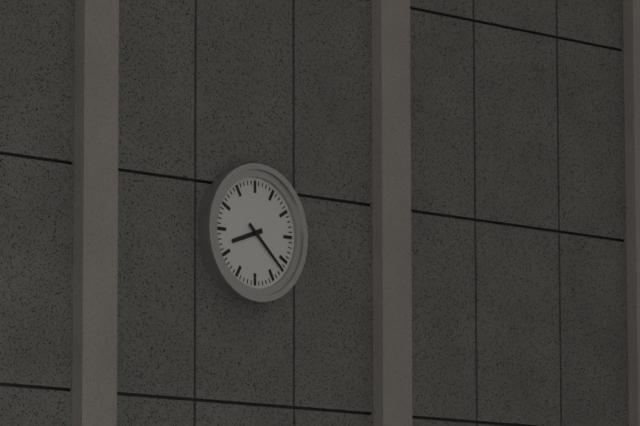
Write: 8 h 22 min
